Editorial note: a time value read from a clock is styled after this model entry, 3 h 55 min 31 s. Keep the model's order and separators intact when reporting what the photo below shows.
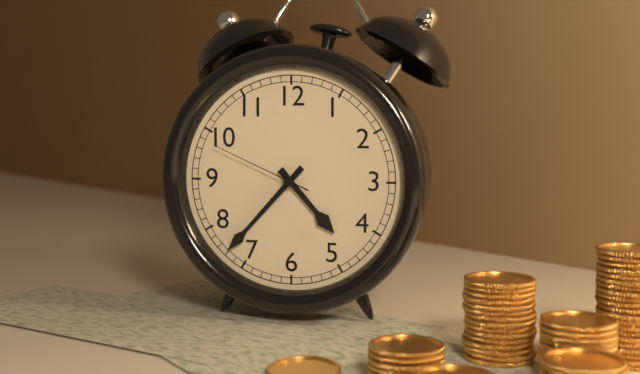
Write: 4 h 37 min 49 s
